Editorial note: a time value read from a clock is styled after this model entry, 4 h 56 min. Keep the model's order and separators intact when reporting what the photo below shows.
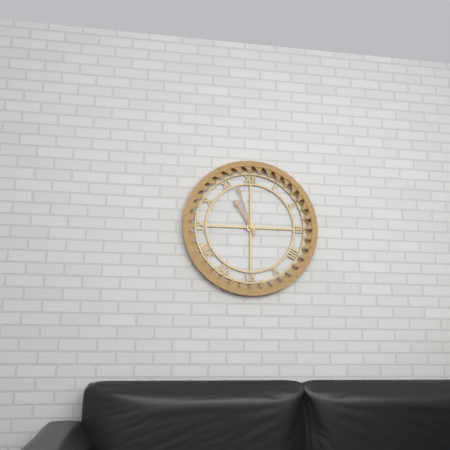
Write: 10 h 57 min
